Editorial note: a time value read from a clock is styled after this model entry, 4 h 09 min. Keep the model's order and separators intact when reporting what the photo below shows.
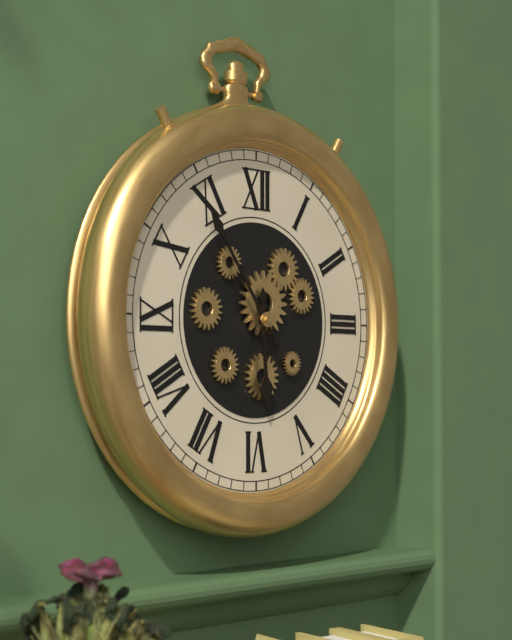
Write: 5 h 54 min
